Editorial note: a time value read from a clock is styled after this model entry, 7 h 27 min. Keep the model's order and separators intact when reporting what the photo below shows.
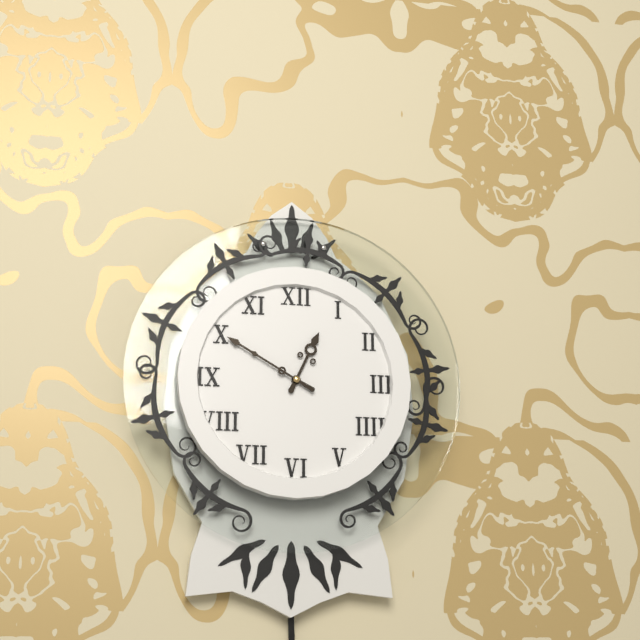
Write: 12 h 50 min
